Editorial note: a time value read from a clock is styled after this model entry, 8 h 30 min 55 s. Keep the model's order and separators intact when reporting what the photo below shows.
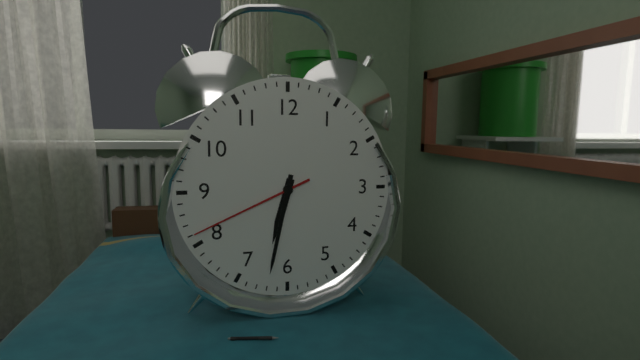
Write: 6 h 32 min 41 s
